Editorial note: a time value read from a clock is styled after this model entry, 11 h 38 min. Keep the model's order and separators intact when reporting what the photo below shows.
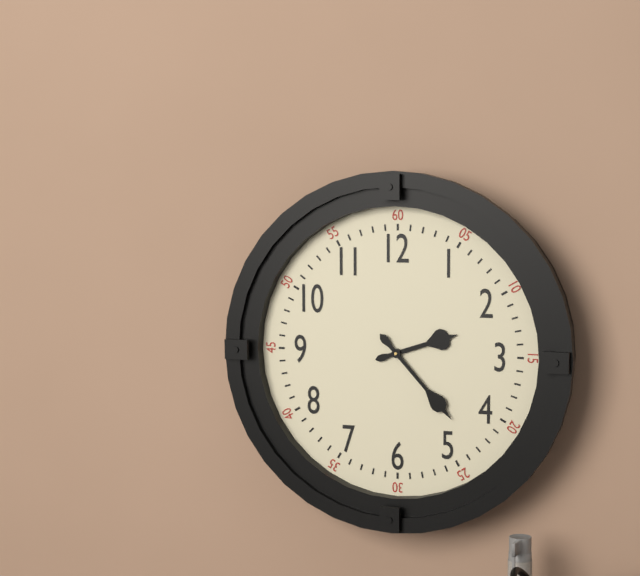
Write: 2 h 23 min
